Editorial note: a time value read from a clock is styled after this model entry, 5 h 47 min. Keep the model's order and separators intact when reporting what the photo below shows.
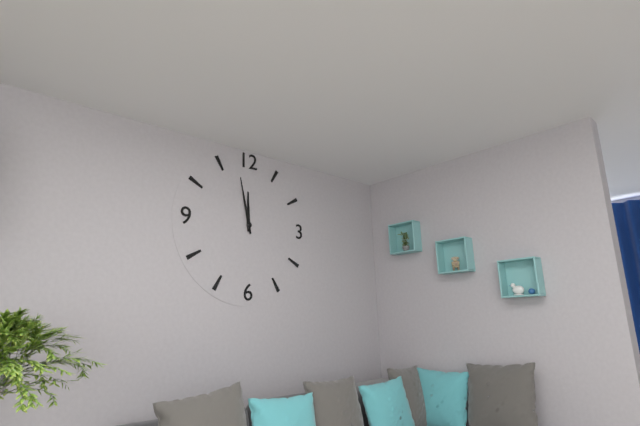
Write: 11 h 58 min
